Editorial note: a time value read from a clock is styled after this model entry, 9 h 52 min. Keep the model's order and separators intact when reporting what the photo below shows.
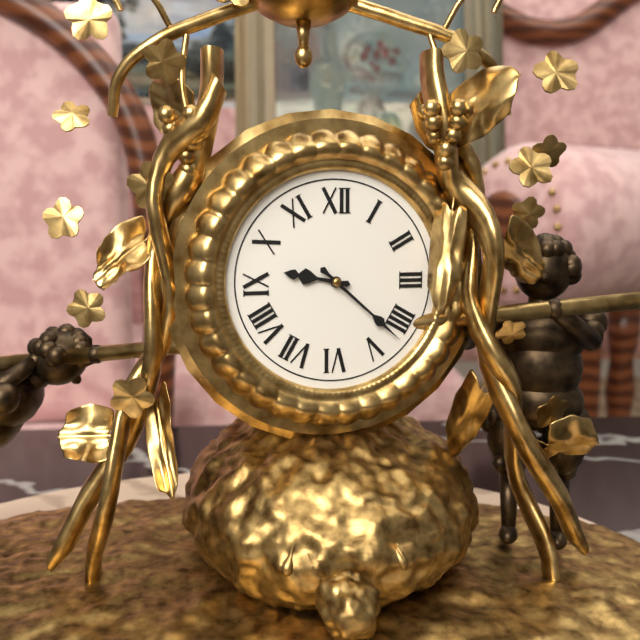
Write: 9 h 22 min
